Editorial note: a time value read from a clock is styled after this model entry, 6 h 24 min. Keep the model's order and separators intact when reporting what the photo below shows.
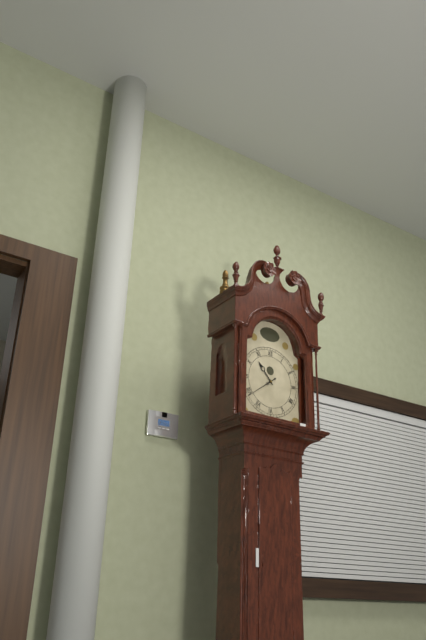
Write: 10 h 39 min
